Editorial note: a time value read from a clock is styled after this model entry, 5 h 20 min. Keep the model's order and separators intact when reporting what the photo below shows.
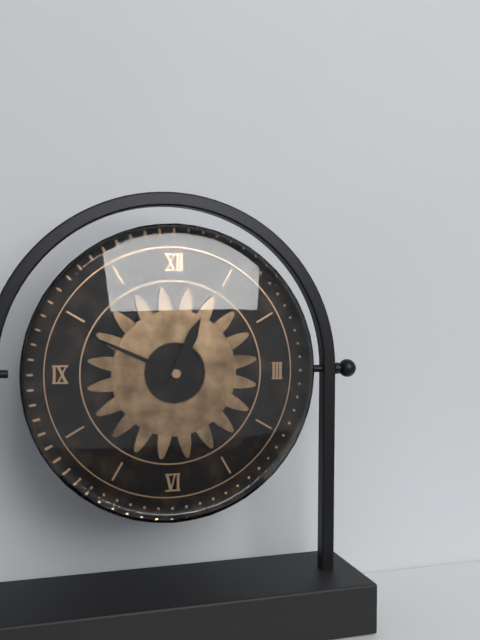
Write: 12 h 49 min
